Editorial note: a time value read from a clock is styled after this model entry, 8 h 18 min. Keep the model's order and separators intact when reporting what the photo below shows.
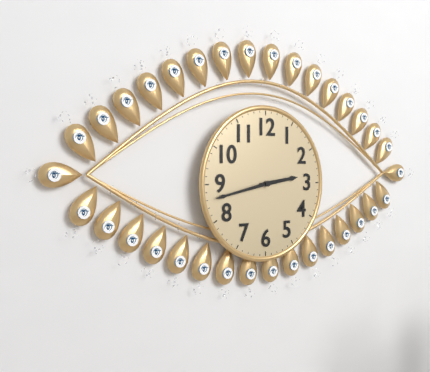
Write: 2 h 43 min
